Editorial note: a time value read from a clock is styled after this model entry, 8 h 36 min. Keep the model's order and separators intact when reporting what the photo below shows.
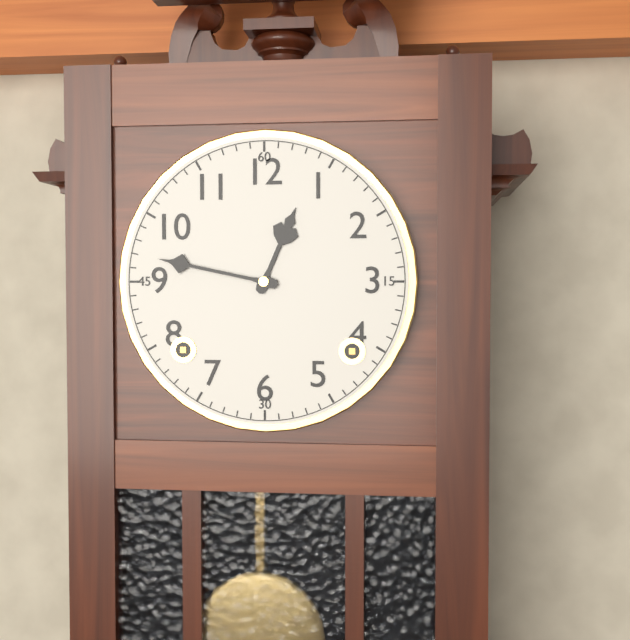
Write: 12 h 47 min
